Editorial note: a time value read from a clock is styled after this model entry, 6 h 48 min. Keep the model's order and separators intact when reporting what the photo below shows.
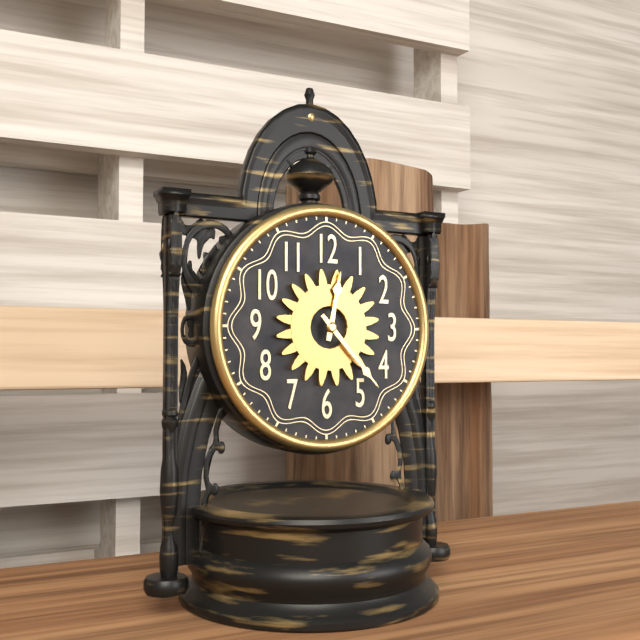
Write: 12 h 23 min
